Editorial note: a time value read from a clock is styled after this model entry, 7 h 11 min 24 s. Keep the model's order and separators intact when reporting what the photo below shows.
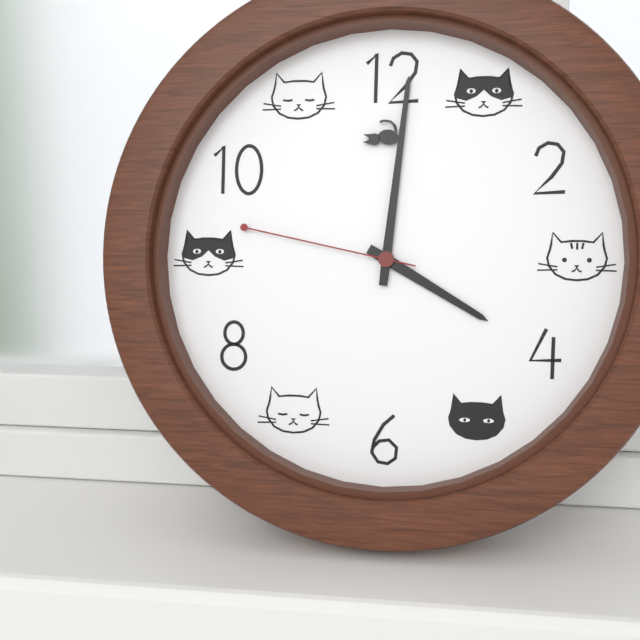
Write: 4 h 01 min 47 s
